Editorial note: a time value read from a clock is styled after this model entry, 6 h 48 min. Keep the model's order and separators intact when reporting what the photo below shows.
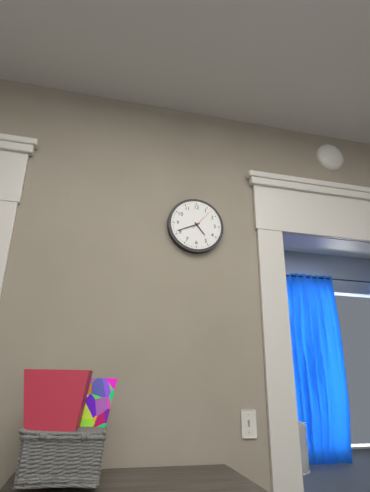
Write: 4 h 41 min
